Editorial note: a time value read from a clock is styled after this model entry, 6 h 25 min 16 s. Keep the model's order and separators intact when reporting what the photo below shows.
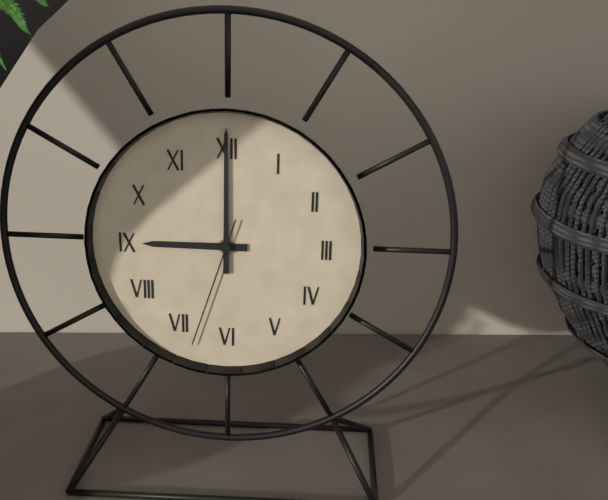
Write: 9 h 00 min 33 s
